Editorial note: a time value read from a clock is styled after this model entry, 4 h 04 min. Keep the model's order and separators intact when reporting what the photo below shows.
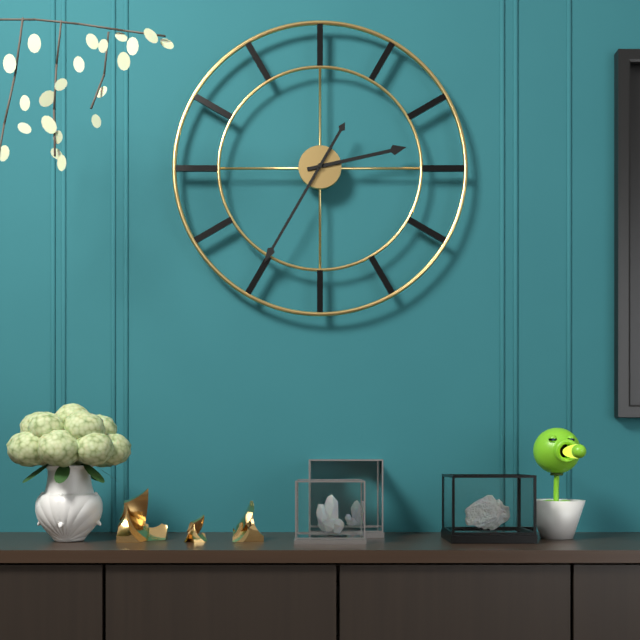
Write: 2 h 35 min
